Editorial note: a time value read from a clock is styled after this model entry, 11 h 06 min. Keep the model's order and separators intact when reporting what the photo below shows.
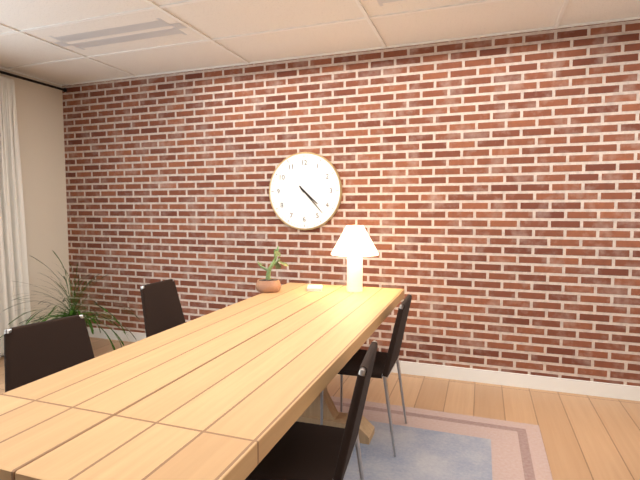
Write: 4 h 23 min
